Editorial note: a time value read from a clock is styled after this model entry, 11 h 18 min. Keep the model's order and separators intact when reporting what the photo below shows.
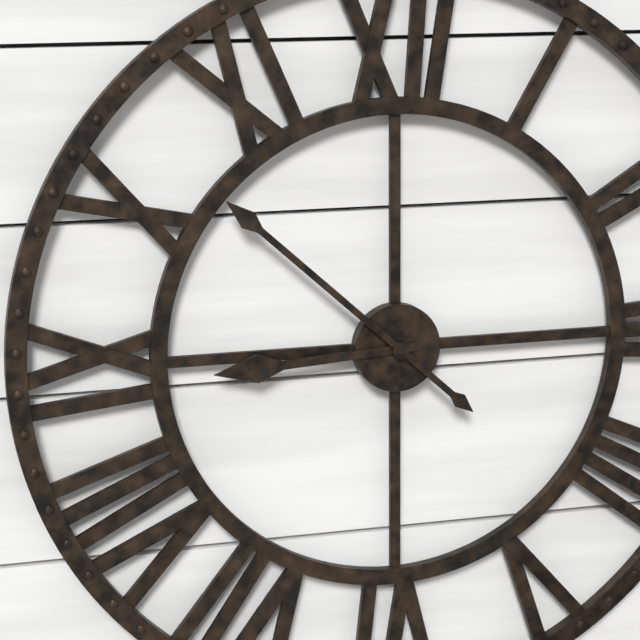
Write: 8 h 52 min
